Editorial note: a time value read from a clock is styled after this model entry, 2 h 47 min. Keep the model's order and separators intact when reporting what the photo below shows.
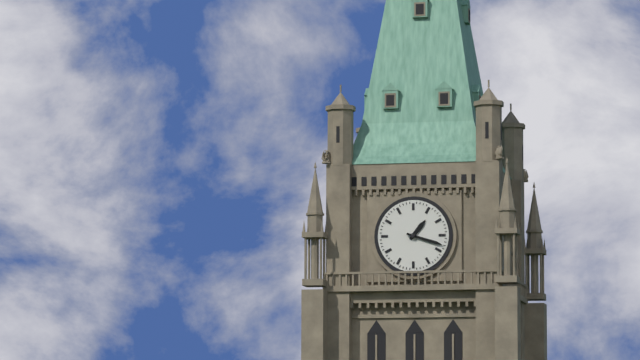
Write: 1 h 18 min
